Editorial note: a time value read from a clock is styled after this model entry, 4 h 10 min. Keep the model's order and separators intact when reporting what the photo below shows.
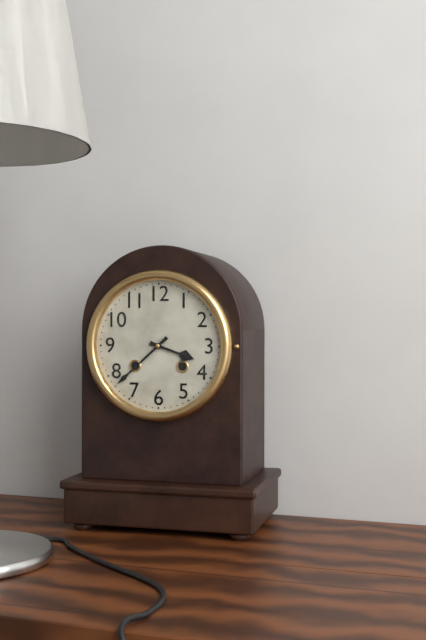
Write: 3 h 38 min
